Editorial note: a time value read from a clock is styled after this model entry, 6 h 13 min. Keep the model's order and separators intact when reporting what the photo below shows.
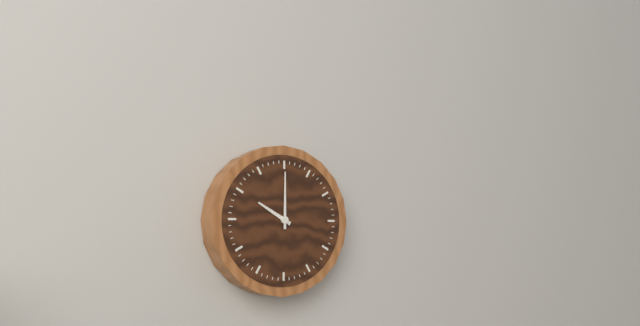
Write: 10 h 00 min
